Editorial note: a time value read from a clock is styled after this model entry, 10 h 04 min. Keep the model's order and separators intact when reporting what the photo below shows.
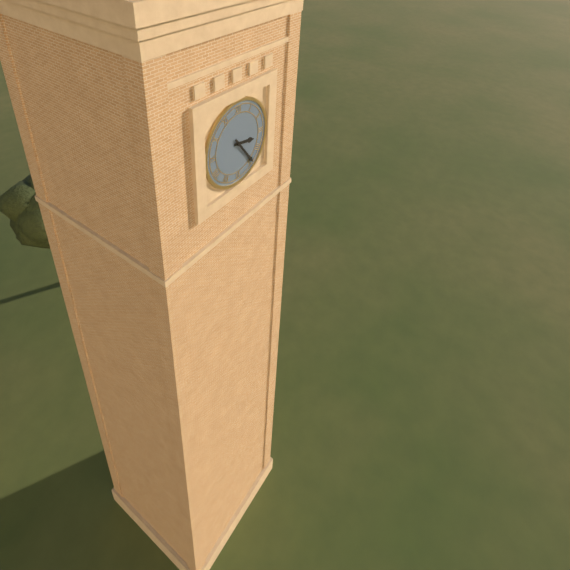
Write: 3 h 24 min
